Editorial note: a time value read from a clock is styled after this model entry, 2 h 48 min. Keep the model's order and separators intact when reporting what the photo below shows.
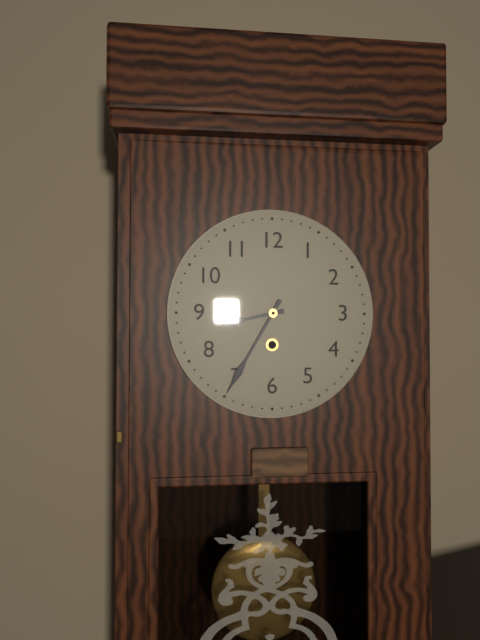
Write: 8 h 35 min
